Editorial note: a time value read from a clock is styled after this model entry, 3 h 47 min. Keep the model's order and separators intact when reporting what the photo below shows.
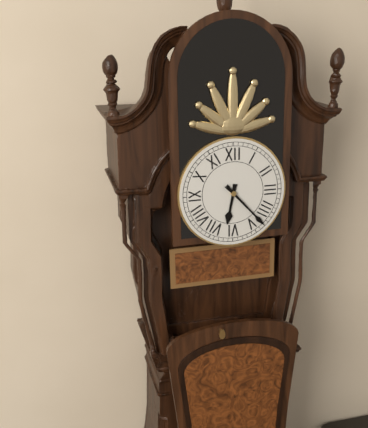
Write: 6 h 23 min
